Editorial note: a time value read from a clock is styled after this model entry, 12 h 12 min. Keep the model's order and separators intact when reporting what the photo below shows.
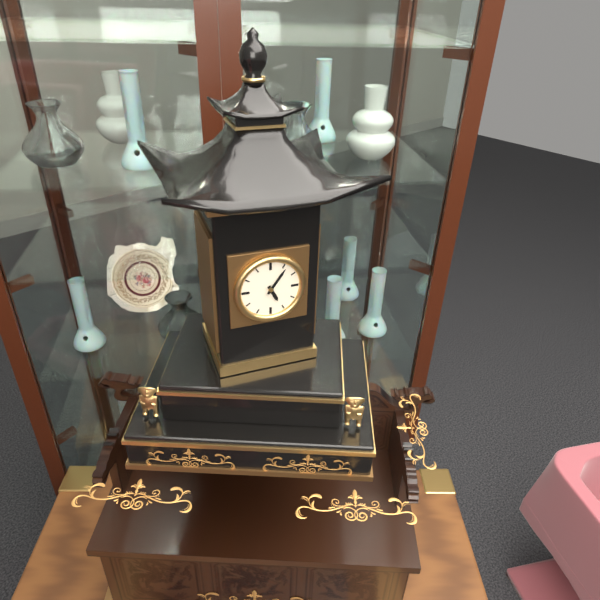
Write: 5 h 06 min
